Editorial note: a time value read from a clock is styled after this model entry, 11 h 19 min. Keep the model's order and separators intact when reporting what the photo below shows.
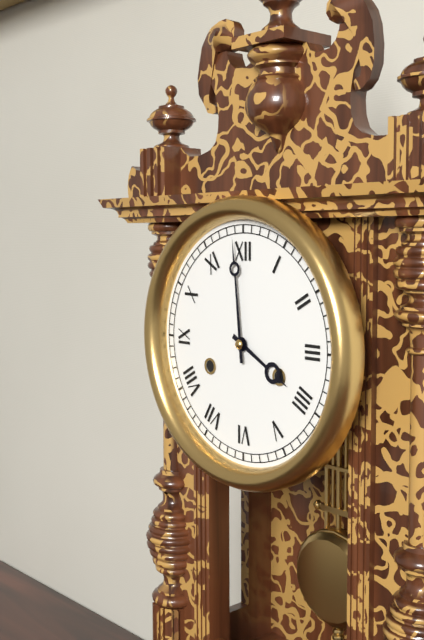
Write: 3 h 59 min
